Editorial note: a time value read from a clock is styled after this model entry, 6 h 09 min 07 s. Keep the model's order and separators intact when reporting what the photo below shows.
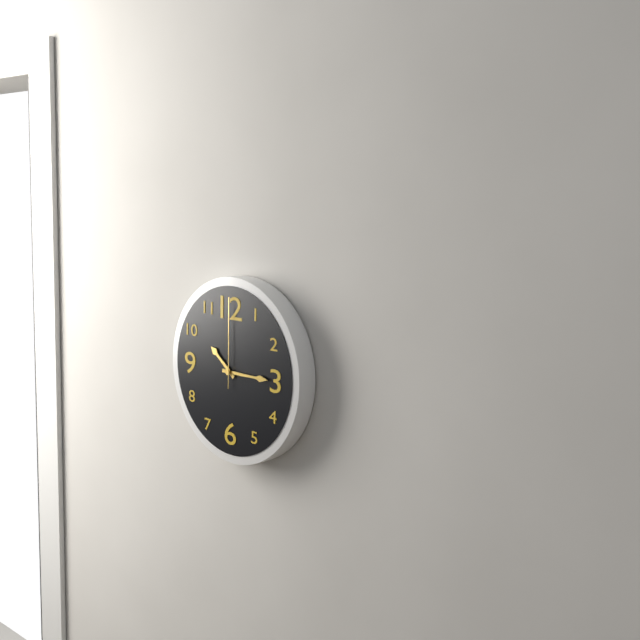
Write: 10 h 15 min 00 s
